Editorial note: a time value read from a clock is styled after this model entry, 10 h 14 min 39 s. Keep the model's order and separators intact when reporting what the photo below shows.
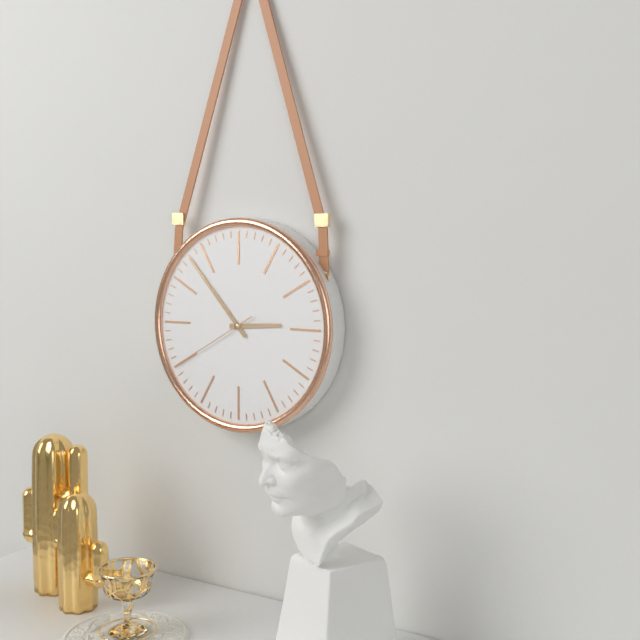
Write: 2 h 53 min 40 s
